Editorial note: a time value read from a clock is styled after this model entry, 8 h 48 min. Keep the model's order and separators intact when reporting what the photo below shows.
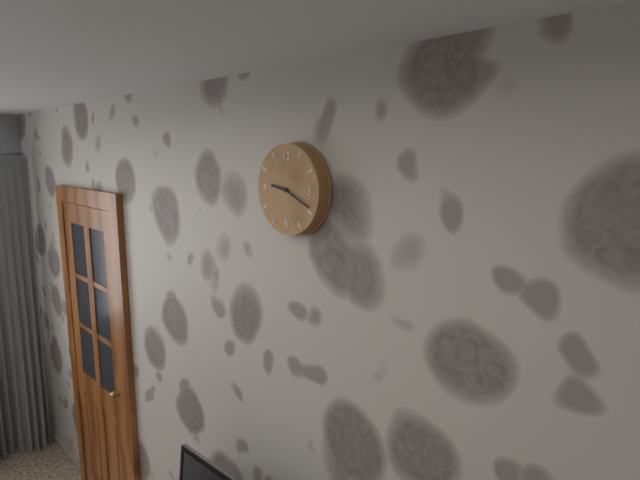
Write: 9 h 19 min
